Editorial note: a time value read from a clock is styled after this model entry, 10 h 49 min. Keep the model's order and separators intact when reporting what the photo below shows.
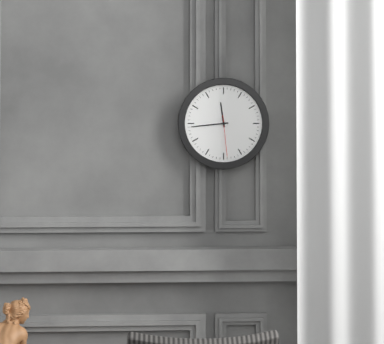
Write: 11 h 44 min
